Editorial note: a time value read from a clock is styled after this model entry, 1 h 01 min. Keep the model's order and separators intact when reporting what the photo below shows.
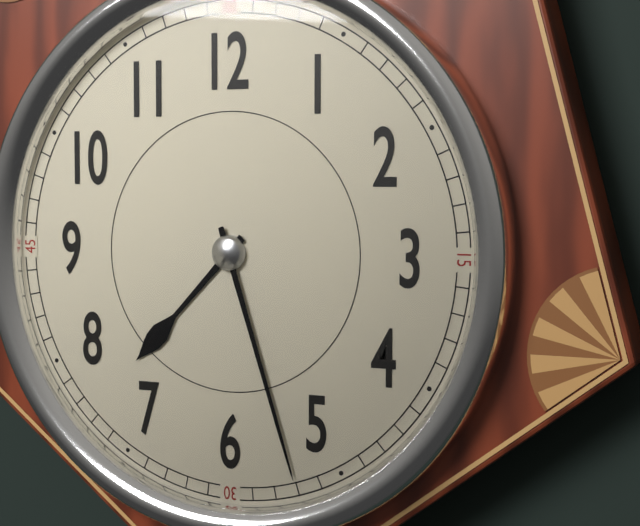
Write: 7 h 27 min
